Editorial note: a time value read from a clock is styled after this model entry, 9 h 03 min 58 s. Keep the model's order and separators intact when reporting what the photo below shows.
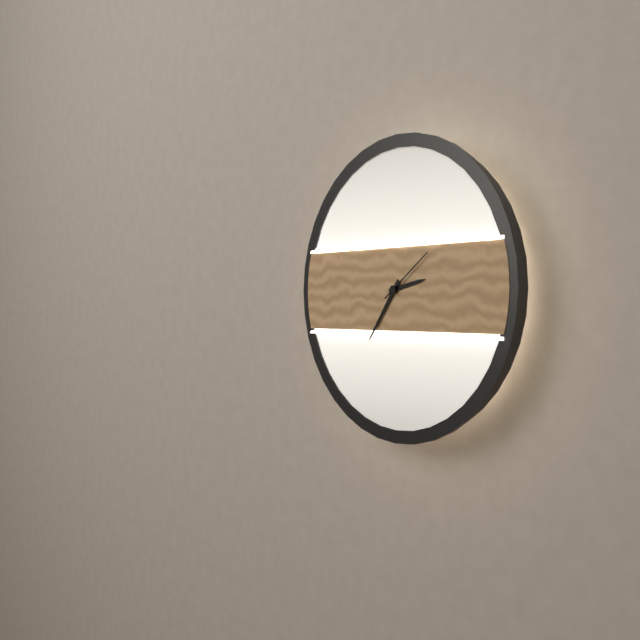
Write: 2 h 36 min 09 s
